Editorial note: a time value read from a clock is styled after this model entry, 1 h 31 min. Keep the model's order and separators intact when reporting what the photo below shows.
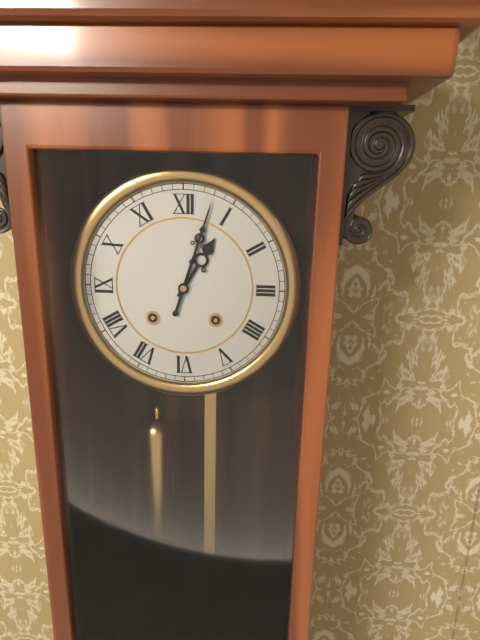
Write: 1 h 03 min
